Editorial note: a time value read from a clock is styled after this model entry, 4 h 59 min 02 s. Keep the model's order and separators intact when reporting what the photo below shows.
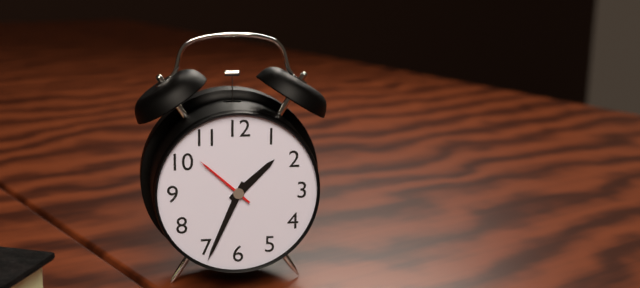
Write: 1 h 34 min 52 s
